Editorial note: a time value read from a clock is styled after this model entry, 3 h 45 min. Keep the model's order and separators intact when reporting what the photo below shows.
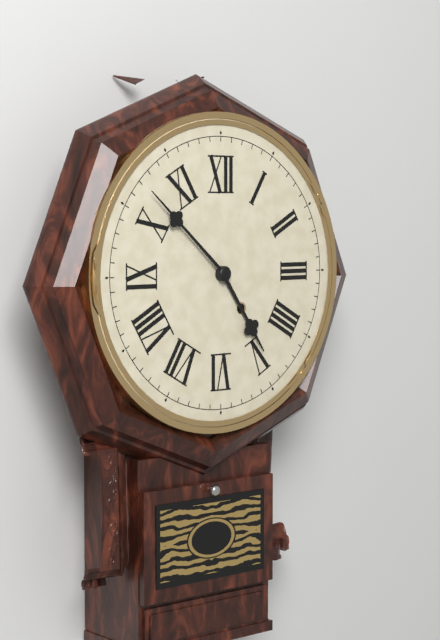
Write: 4 h 52 min
